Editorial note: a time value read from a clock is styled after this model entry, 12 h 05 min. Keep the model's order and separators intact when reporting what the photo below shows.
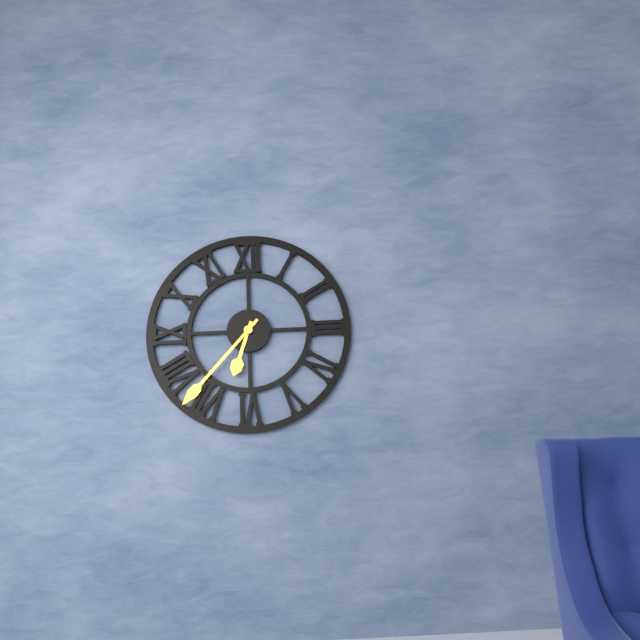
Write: 6 h 37 min
